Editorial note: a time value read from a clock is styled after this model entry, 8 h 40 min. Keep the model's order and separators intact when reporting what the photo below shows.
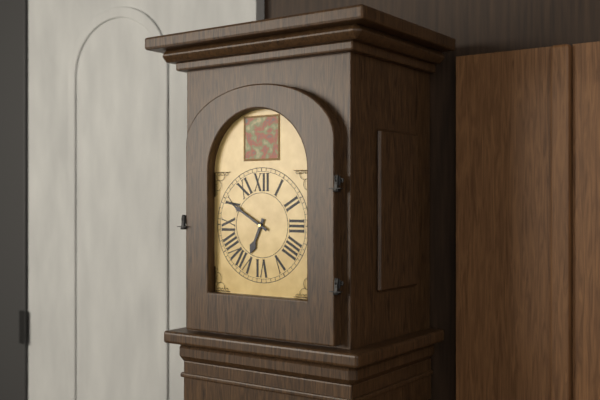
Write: 6 h 50 min
